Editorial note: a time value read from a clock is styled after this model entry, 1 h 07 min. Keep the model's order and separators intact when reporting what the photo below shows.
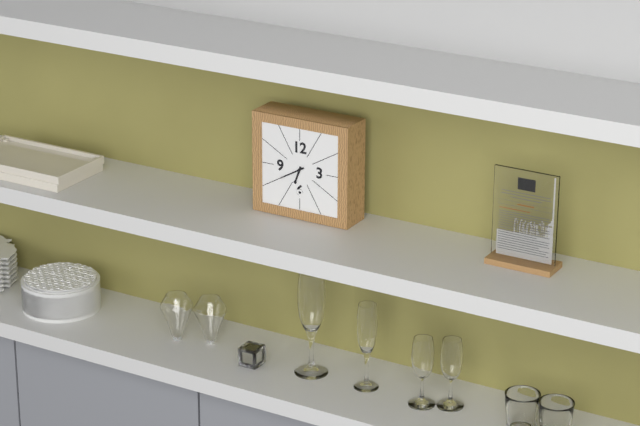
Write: 6 h 40 min
